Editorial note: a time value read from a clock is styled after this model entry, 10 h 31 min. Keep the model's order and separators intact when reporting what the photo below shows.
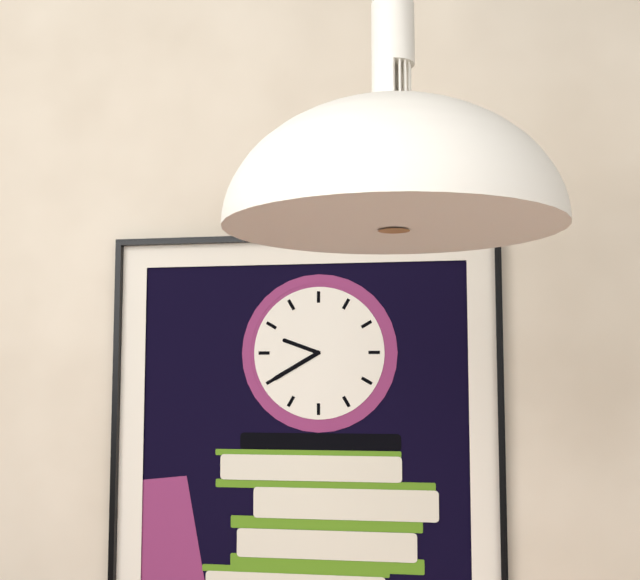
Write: 9 h 40 min
